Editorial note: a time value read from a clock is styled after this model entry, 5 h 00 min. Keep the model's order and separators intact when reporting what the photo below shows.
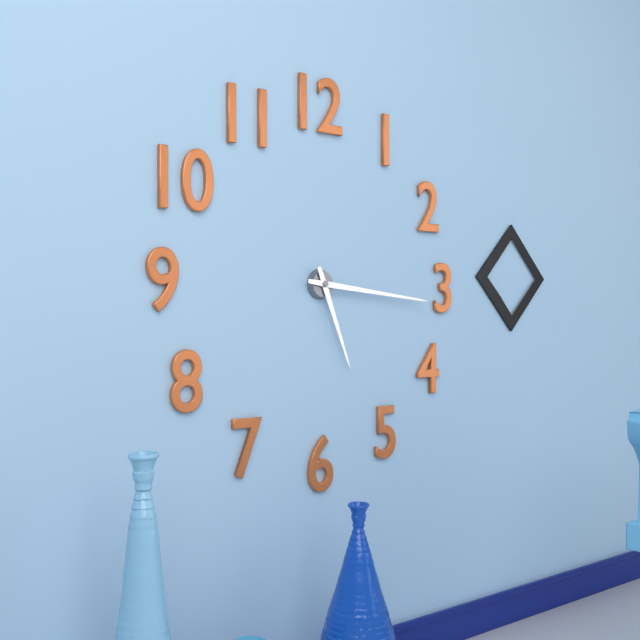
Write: 5 h 16 min
